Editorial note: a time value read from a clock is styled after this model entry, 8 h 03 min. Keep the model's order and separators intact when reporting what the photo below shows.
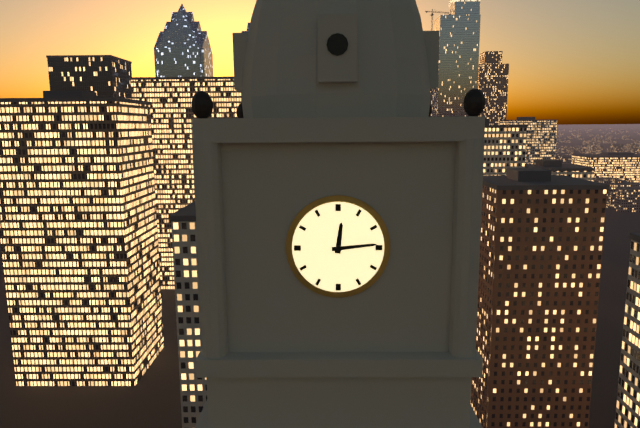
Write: 12 h 14 min
